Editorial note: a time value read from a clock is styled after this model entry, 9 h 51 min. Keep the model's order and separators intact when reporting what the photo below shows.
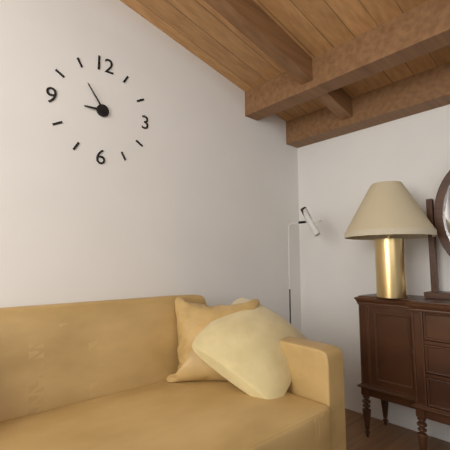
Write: 8 h 54 min
